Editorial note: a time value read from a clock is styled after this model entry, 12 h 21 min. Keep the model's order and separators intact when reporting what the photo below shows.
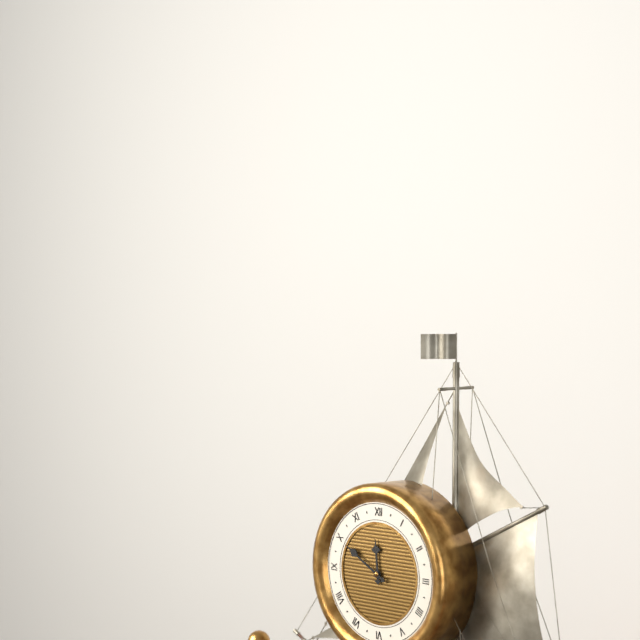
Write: 11 h 50 min
